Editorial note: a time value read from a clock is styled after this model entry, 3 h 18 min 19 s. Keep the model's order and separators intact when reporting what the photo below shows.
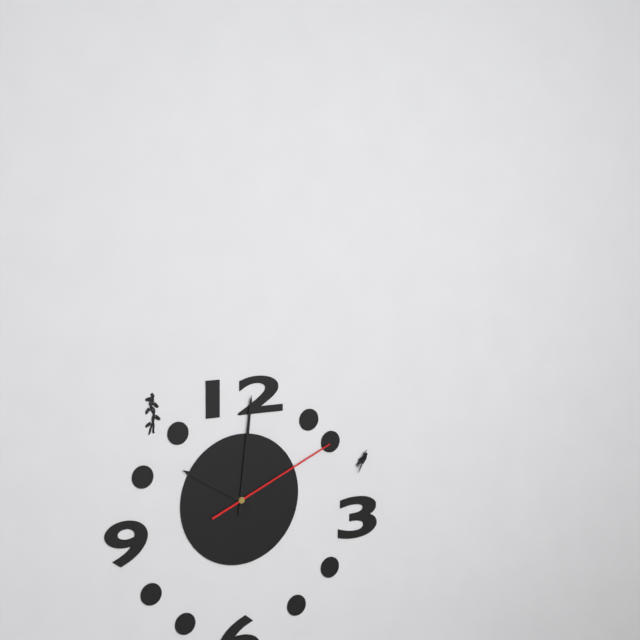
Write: 10 h 01 min 11 s
